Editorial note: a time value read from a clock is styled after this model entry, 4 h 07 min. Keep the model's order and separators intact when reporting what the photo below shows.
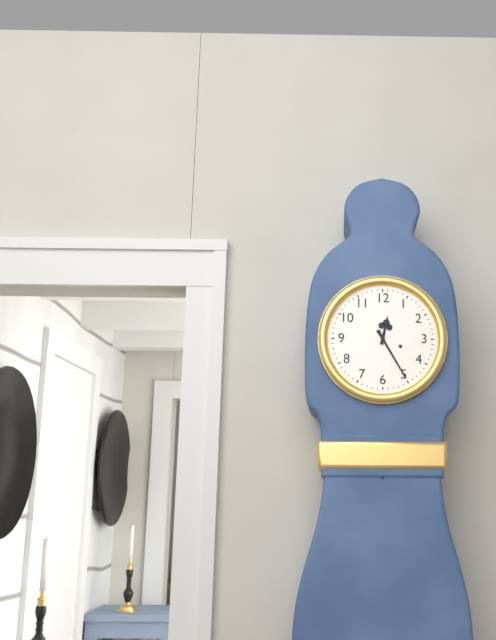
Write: 12 h 25 min
